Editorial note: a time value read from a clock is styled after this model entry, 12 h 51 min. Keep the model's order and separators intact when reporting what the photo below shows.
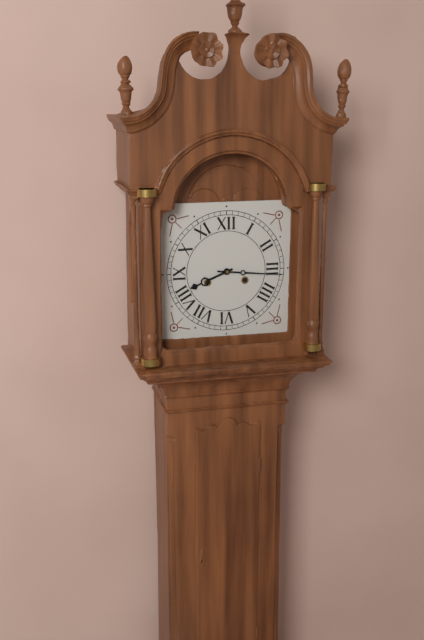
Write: 8 h 16 min
